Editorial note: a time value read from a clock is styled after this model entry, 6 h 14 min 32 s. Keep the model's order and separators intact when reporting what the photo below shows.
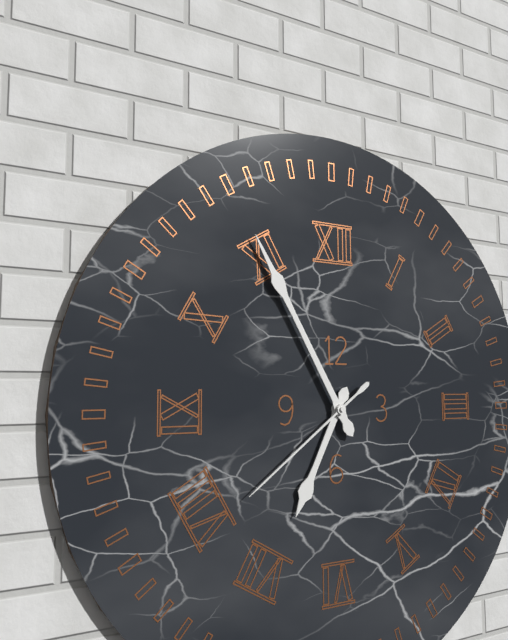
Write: 6 h 55 min 39 s
